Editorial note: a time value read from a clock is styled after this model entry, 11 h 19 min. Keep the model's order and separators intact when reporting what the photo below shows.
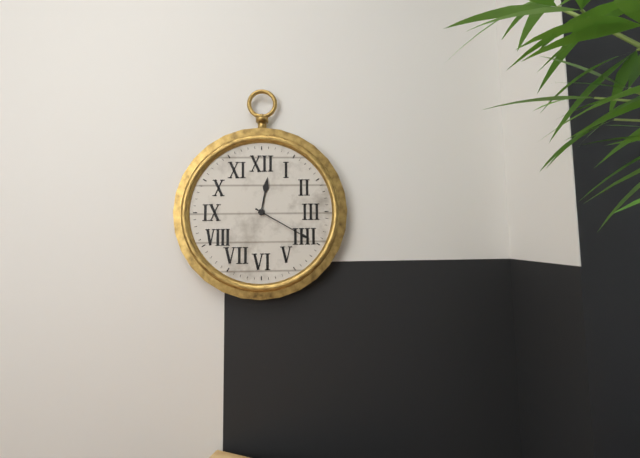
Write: 12 h 20 min
